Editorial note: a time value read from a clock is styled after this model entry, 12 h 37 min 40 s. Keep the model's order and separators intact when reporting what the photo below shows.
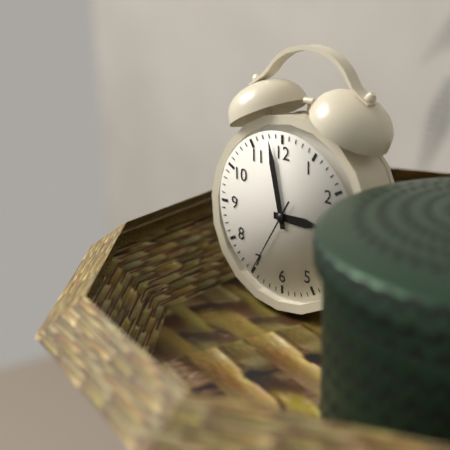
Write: 2 h 58 min 35 s
